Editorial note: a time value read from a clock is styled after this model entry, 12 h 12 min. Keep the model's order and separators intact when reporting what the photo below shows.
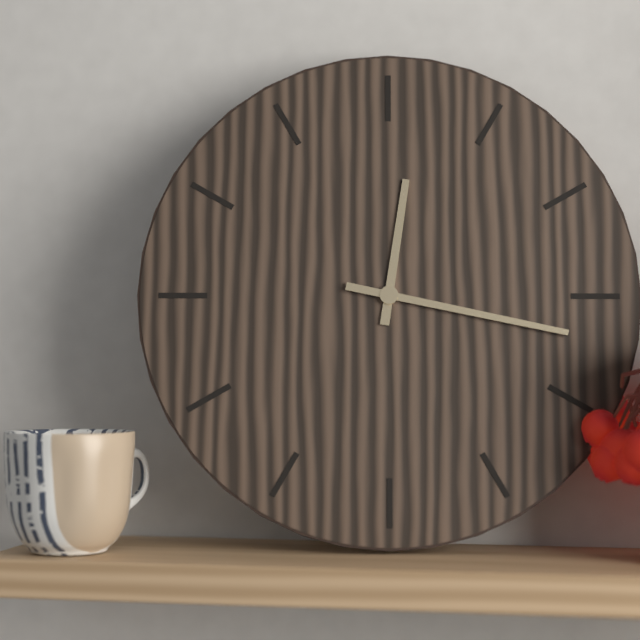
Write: 12 h 17 min
